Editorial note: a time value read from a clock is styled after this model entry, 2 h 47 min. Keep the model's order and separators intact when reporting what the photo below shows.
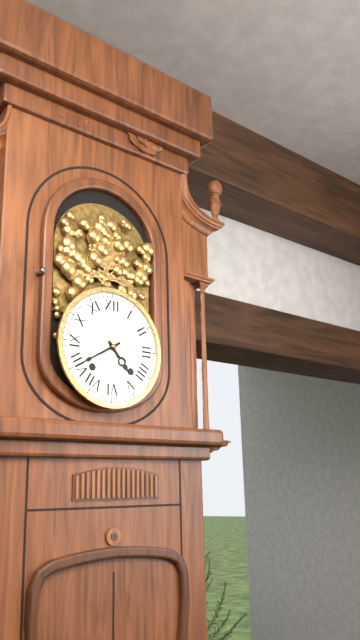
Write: 4 h 40 min
